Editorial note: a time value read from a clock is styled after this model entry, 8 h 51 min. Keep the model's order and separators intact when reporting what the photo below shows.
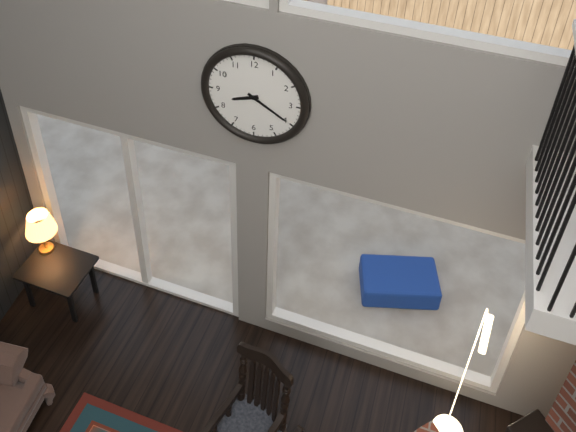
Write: 8 h 20 min
